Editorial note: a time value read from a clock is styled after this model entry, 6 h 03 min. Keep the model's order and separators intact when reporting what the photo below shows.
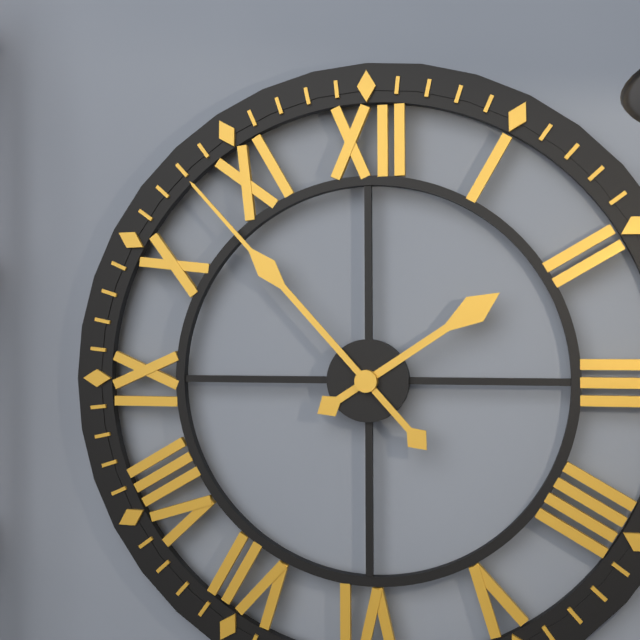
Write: 1 h 53 min
